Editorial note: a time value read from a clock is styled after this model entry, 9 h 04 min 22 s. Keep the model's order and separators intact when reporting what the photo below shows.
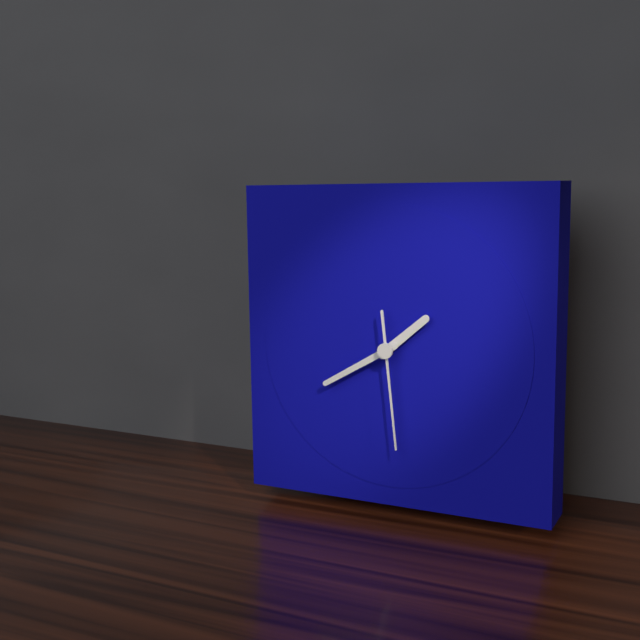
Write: 1 h 40 min 29 s
